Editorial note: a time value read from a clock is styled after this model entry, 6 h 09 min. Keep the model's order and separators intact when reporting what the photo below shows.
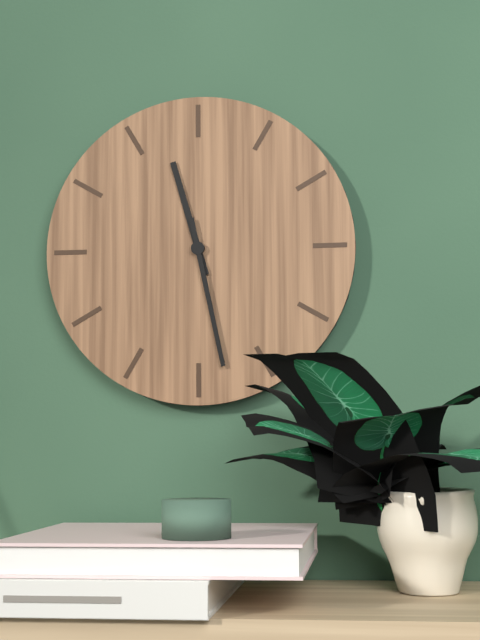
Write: 11 h 28 min
